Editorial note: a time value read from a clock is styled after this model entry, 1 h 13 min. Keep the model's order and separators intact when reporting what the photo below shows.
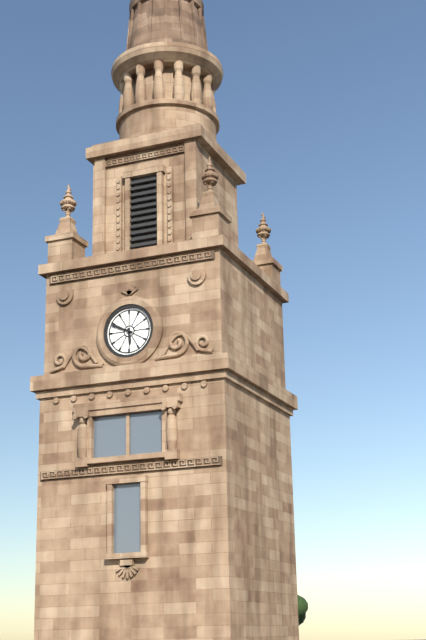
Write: 5 h 49 min
